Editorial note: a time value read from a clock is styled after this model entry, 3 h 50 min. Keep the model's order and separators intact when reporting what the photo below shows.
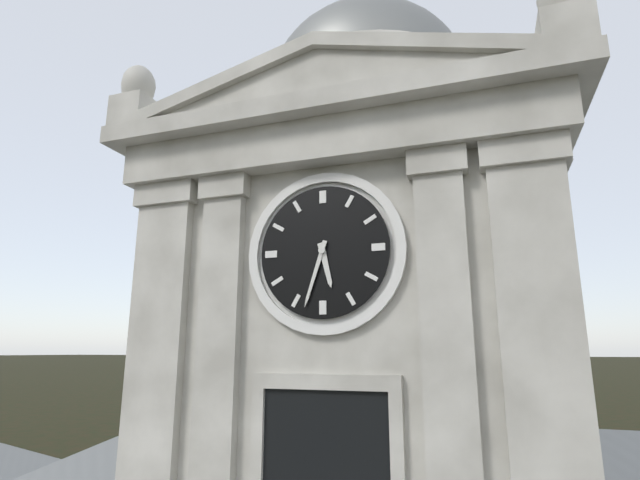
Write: 5 h 33 min
